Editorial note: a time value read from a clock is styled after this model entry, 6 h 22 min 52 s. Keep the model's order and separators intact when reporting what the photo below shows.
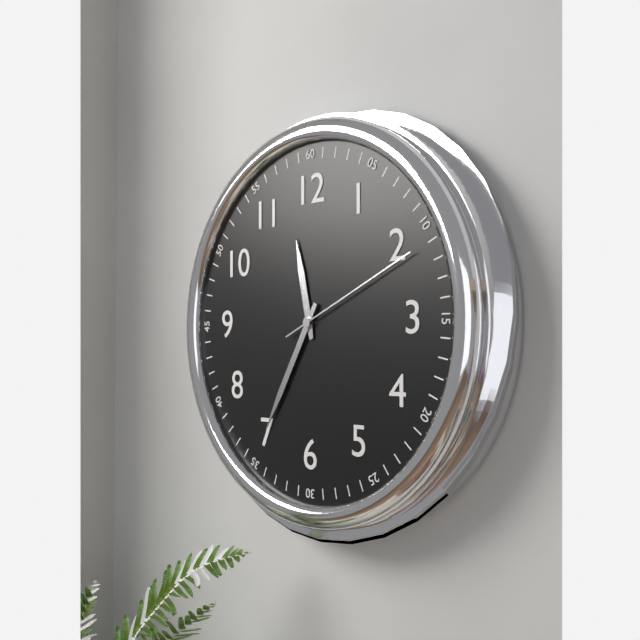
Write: 11 h 35 min 11 s
